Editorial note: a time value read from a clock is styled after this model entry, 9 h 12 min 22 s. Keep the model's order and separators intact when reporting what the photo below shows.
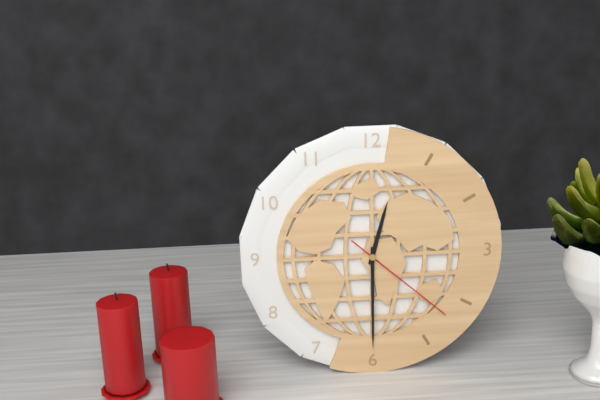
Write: 12 h 30 min 22 s
